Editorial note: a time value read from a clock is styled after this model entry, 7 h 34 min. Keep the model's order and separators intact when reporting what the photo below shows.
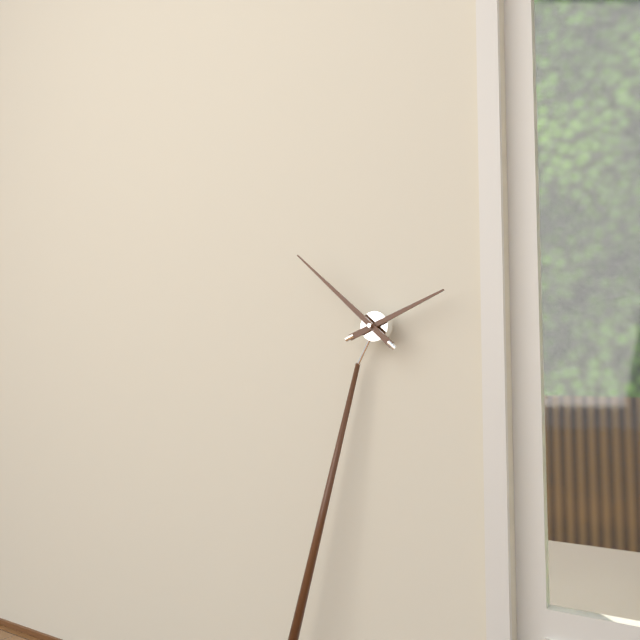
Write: 1 h 50 min
